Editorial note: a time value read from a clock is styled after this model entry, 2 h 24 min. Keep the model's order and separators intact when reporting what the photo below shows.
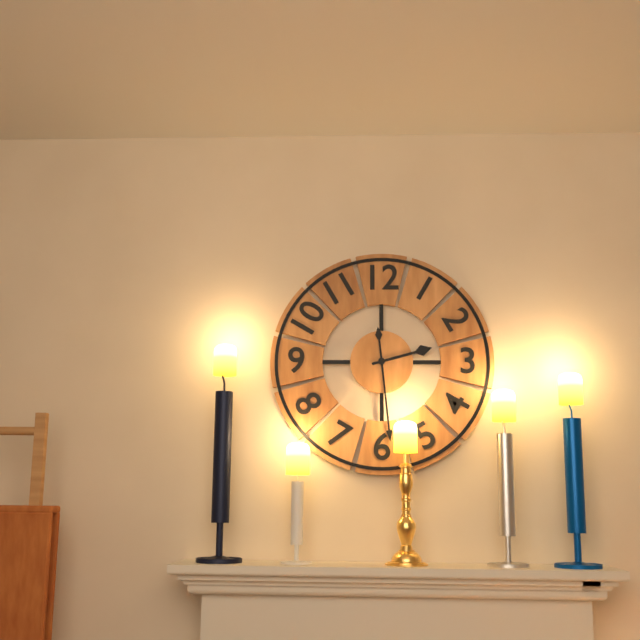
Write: 2 h 29 min
